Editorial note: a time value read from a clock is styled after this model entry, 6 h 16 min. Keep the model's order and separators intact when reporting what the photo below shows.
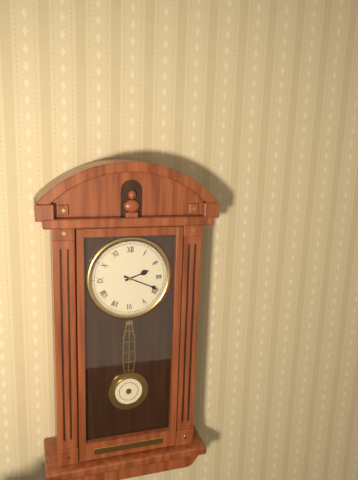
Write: 2 h 19 min
